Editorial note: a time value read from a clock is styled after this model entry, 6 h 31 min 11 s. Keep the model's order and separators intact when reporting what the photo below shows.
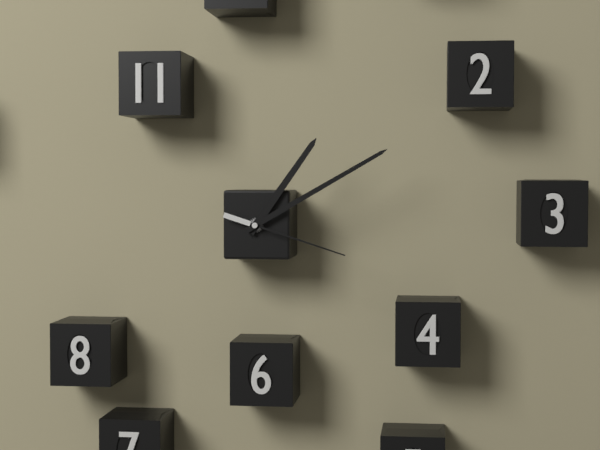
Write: 1 h 10 min 18 s
